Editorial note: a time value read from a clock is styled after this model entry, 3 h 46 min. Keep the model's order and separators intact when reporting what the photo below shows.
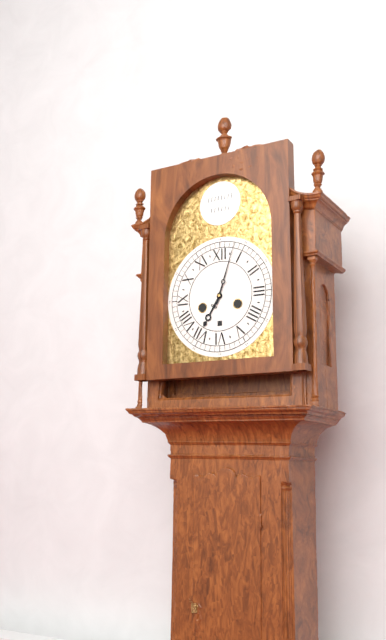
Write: 7 h 03 min
